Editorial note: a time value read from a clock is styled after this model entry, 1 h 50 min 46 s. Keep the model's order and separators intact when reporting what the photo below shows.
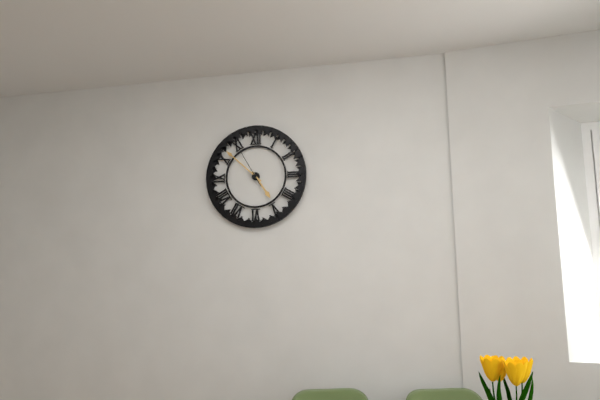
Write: 4 h 52 min 55 s
